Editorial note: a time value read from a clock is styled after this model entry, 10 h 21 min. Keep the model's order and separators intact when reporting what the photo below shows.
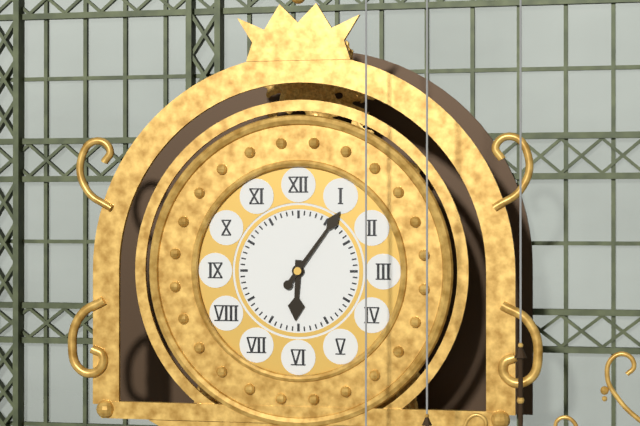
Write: 6 h 06 min
